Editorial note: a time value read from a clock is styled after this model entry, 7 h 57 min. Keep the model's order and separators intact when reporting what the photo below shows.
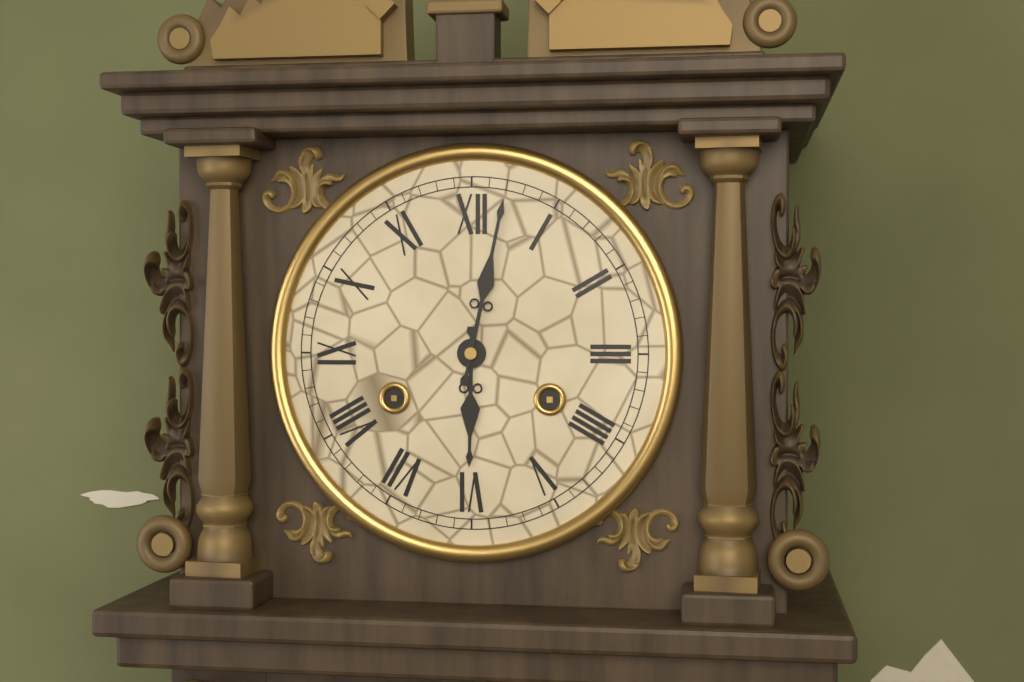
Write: 6 h 02 min
